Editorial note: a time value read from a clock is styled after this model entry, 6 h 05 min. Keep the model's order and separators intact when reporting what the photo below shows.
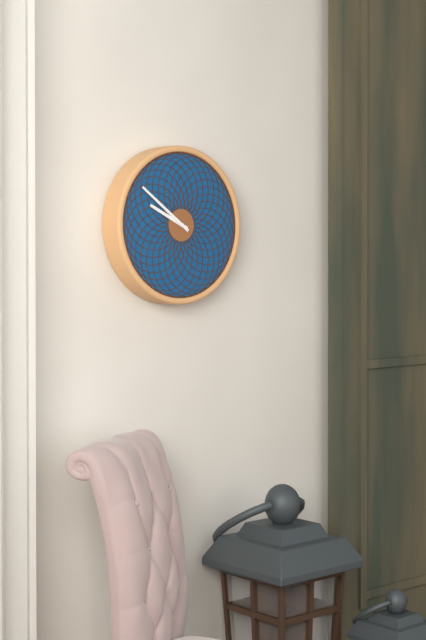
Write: 9 h 51 min
